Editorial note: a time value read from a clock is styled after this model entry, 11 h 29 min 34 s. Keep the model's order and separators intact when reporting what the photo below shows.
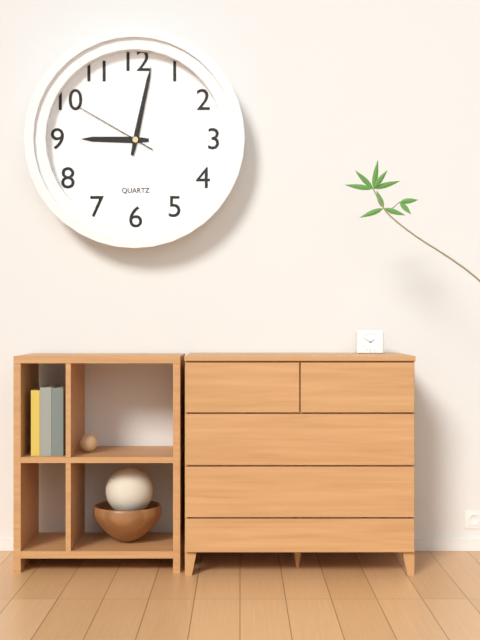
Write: 9 h 02 min 50 s
